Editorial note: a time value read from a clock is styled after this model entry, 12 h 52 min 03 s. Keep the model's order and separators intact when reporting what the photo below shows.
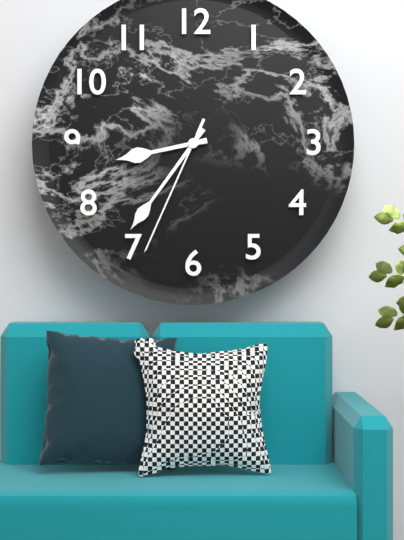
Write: 8 h 36 min 34 s
